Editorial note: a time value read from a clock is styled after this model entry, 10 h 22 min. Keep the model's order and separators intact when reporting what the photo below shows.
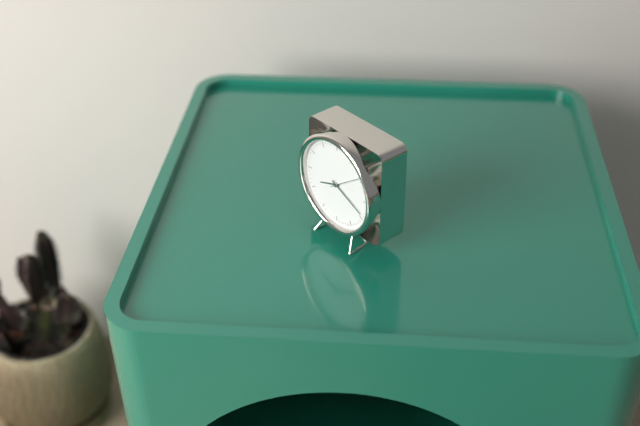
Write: 8 h 19 min
